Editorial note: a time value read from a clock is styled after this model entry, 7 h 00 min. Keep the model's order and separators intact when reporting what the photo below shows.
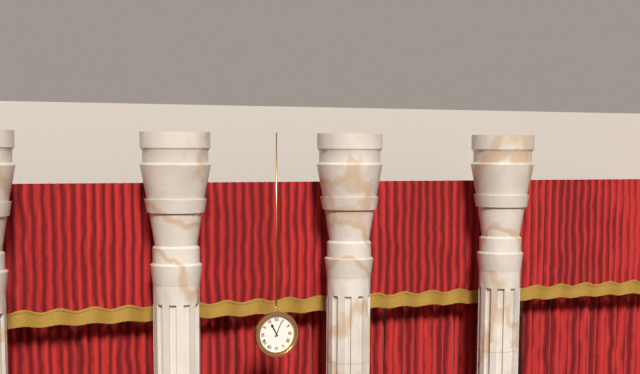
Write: 11 h 04 min
